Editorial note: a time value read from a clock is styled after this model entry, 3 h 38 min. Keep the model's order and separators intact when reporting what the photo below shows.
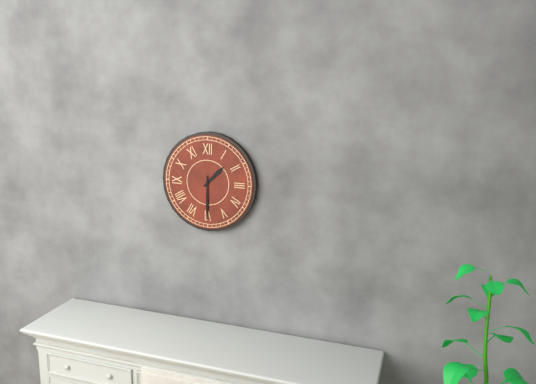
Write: 1 h 30 min
